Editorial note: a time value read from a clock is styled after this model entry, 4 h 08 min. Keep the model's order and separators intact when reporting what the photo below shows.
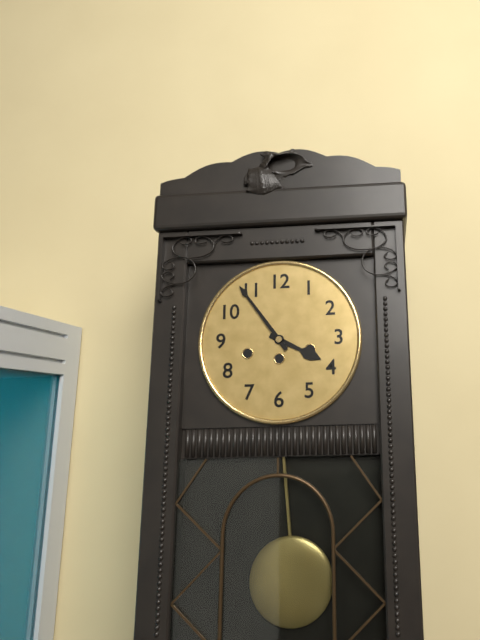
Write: 3 h 54 min
